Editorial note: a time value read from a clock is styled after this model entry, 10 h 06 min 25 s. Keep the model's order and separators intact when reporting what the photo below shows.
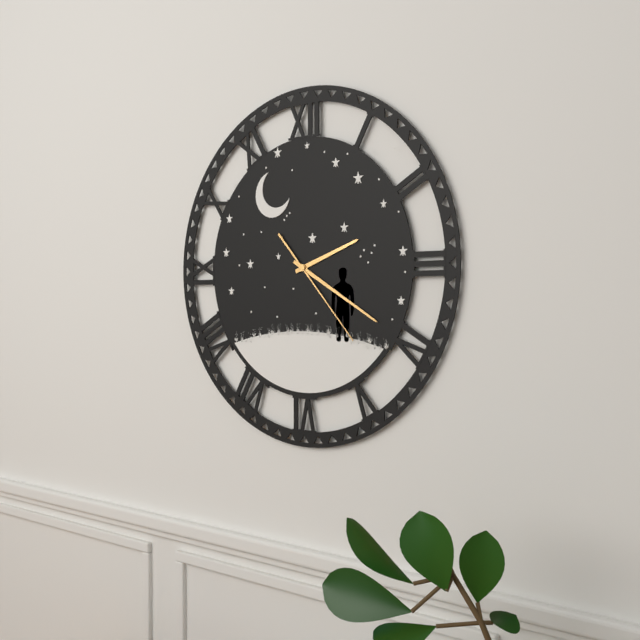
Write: 2 h 20 min 23 s
